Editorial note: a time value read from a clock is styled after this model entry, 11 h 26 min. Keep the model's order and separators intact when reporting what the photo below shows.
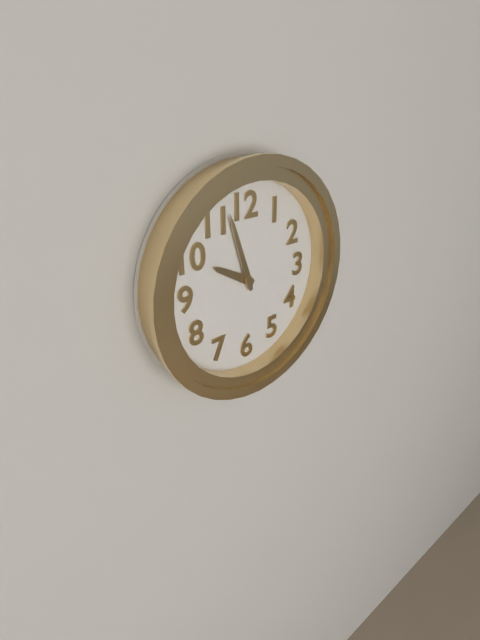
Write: 9 h 57 min
